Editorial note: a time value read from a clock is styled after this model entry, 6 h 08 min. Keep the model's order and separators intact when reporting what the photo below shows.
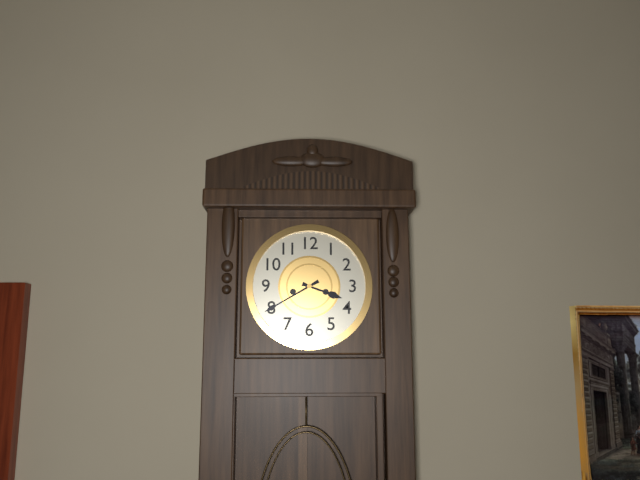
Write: 3 h 40 min
